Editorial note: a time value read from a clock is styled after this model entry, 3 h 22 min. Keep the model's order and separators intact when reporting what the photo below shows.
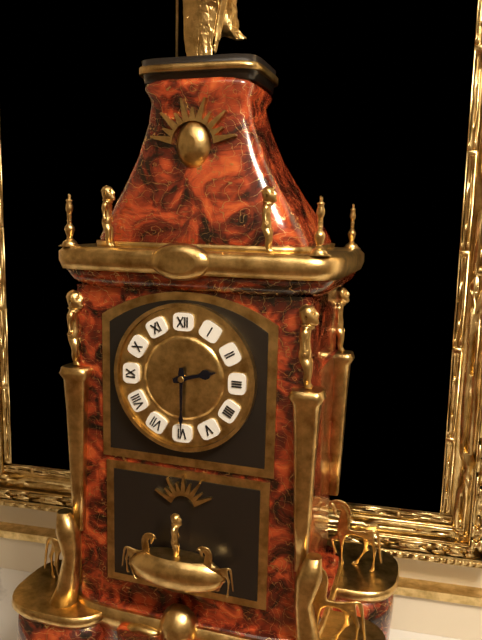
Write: 2 h 30 min
